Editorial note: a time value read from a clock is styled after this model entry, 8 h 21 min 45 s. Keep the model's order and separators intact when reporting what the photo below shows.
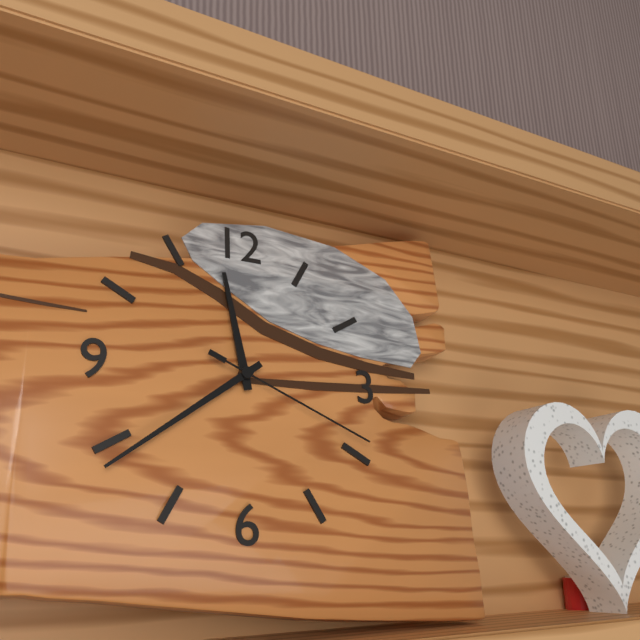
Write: 11 h 39 min 19 s
